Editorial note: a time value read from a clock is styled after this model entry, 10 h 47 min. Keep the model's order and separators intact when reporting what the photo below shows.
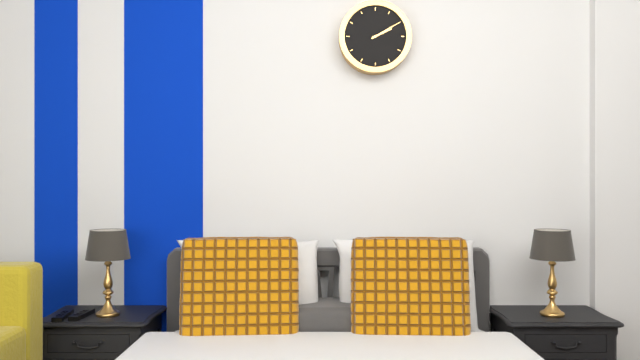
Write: 2 h 10 min
